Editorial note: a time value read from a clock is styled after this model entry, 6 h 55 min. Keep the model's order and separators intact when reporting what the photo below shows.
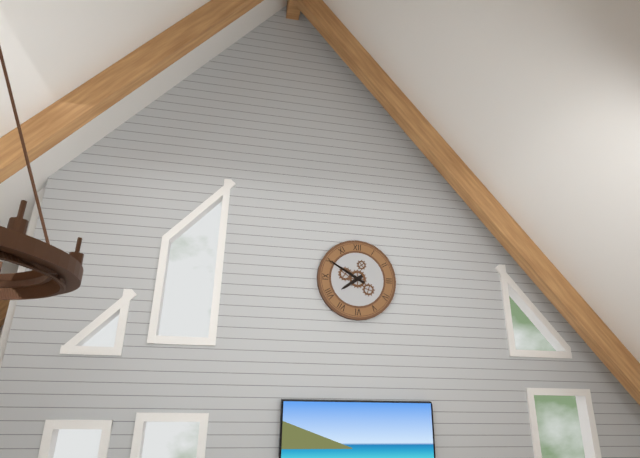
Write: 7 h 50 min
